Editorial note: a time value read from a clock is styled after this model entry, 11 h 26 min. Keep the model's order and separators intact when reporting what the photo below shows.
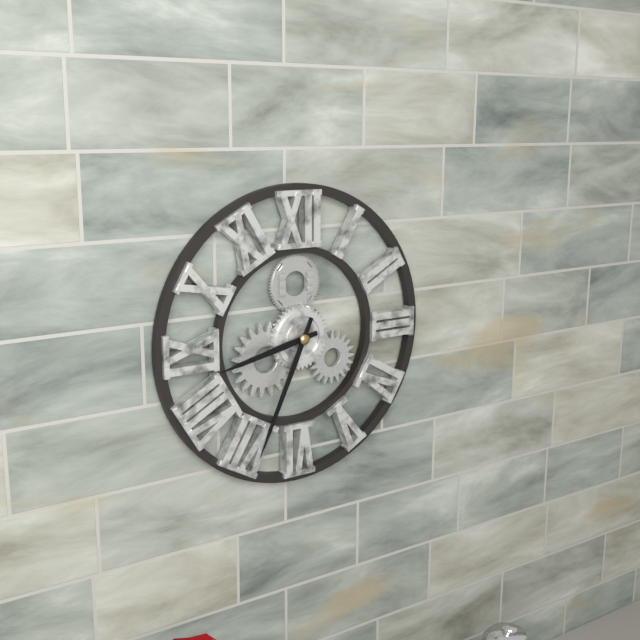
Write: 8 h 34 min
